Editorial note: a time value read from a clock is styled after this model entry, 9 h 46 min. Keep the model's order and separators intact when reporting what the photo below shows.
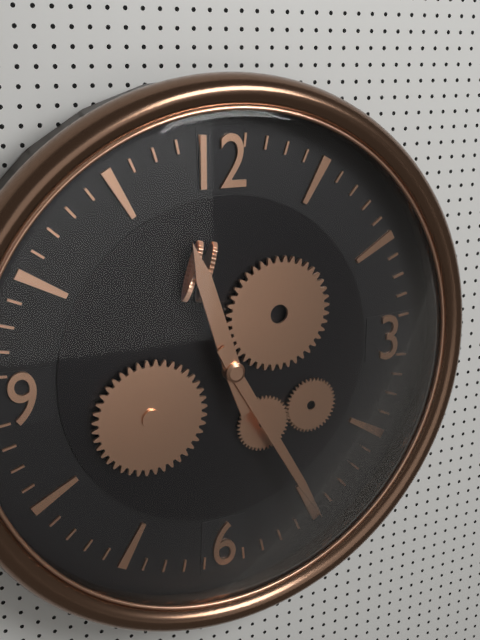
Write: 11 h 25 min
